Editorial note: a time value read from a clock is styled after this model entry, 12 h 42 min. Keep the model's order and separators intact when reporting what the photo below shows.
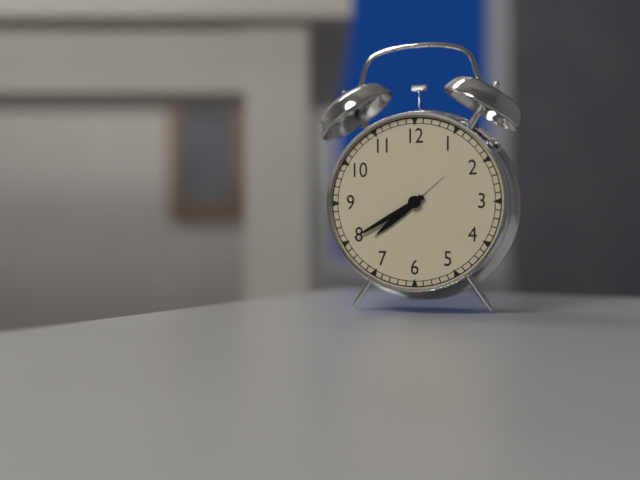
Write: 7 h 40 min
